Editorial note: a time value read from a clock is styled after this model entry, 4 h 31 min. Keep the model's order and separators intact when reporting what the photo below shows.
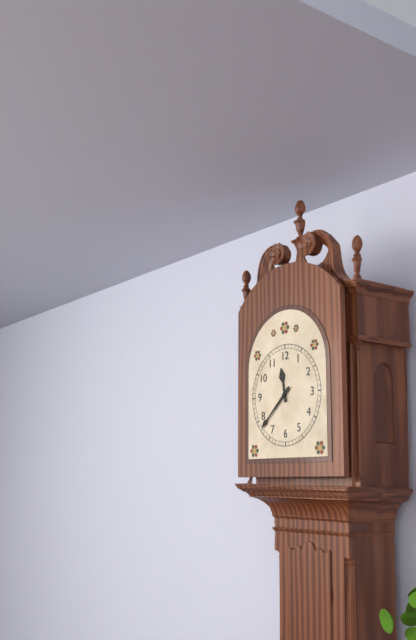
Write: 11 h 38 min
